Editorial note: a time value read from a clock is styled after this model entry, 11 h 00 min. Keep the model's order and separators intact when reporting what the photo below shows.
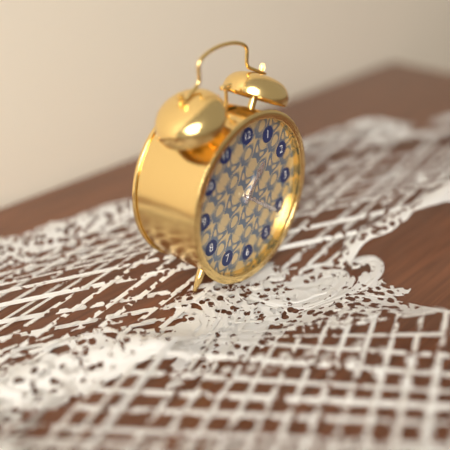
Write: 1 h 21 min
